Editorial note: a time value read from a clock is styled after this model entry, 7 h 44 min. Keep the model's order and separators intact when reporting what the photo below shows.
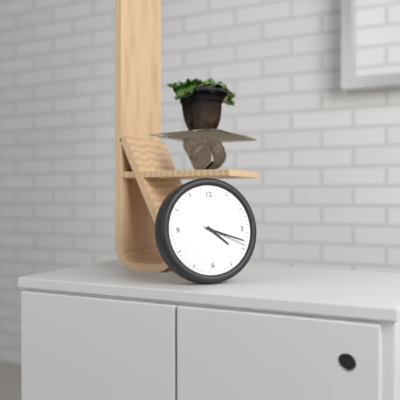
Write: 4 h 18 min
